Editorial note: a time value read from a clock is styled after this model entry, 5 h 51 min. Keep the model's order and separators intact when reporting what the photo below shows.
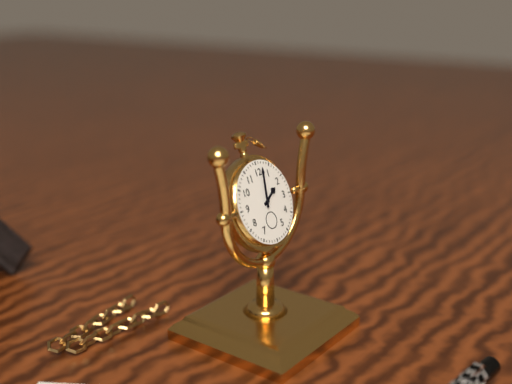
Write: 2 h 02 min
